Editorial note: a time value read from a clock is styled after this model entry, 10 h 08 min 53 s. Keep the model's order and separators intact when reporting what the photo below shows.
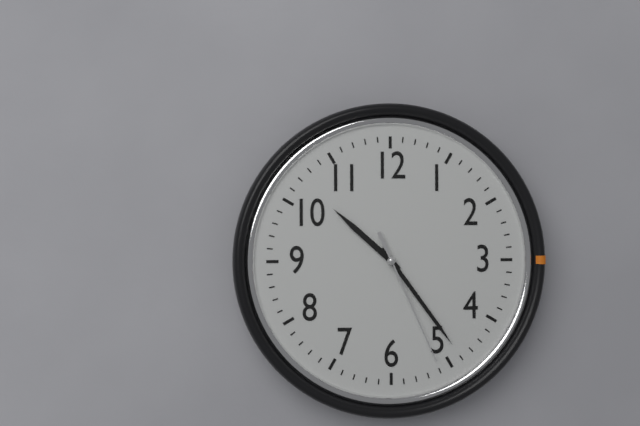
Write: 10 h 24 min 26 s
